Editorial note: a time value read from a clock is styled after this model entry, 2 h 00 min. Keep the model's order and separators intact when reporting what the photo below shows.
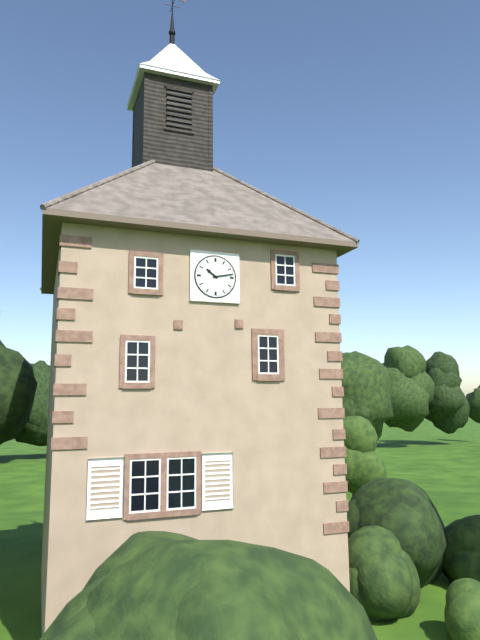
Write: 10 h 13 min
